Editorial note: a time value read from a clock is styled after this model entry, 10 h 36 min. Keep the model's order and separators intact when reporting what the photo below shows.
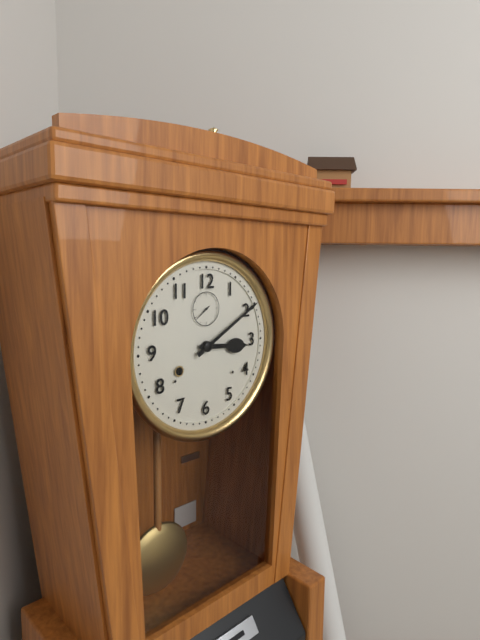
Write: 3 h 10 min
